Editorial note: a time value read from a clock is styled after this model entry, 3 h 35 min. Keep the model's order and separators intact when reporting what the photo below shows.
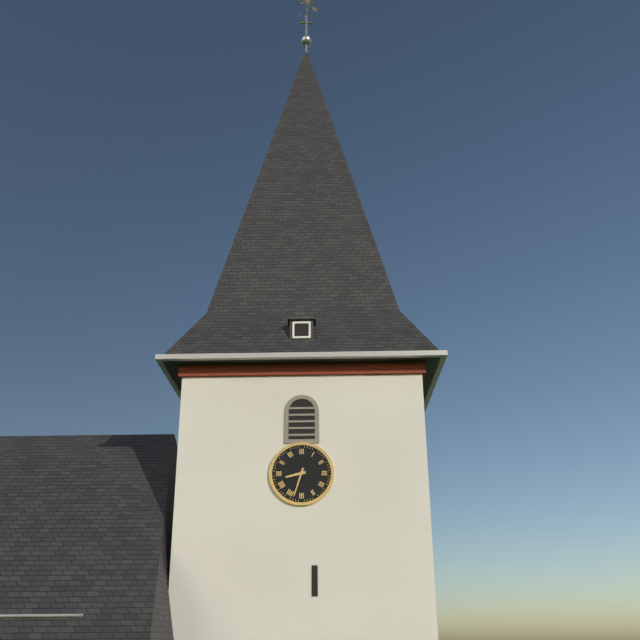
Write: 8 h 33 min
